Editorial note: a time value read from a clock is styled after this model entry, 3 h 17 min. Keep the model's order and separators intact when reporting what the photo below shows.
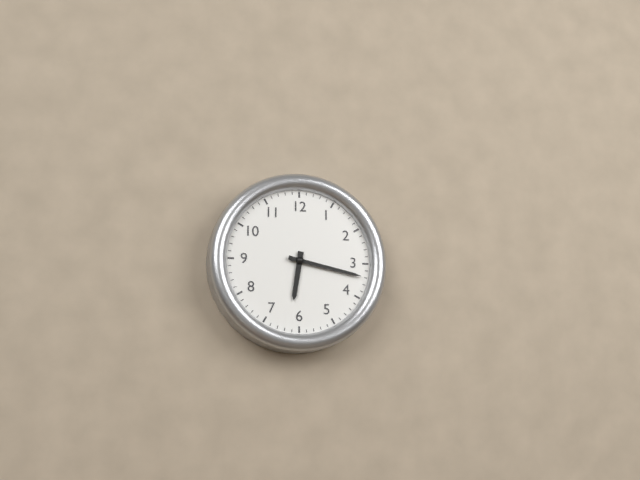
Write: 6 h 17 min
